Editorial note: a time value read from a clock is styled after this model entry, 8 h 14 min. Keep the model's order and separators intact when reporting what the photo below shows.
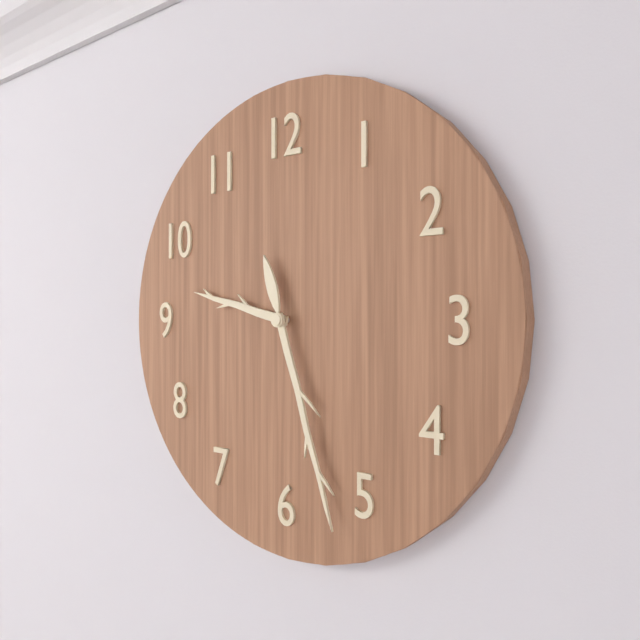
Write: 9 h 27 min
